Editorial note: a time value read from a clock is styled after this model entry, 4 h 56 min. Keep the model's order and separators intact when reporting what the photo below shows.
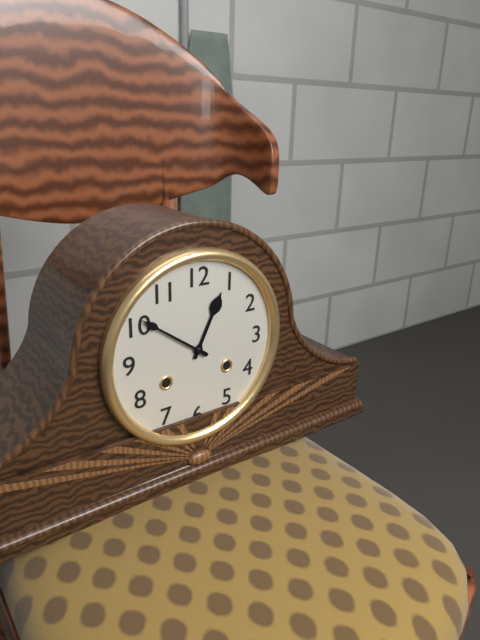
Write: 12 h 51 min
